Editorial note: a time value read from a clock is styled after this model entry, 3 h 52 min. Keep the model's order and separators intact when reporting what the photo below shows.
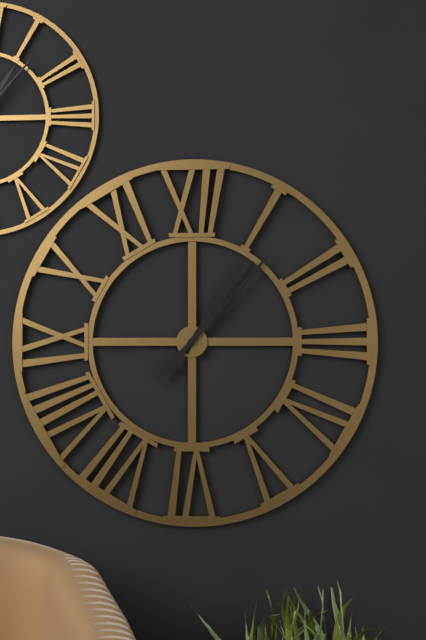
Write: 1 h 07 min
